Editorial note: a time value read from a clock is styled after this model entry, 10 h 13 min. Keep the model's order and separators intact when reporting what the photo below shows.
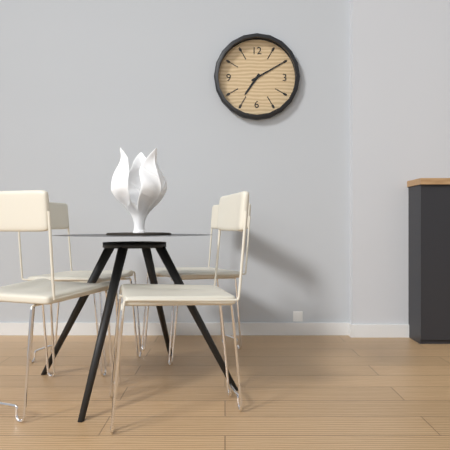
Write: 7 h 10 min
